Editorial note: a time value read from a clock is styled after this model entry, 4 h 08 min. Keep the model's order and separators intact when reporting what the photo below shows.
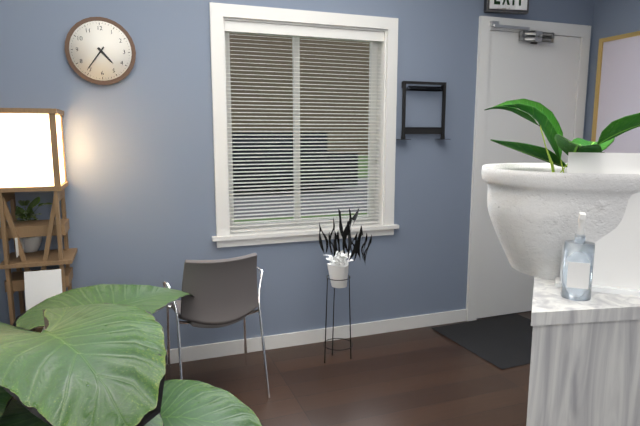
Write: 4 h 36 min
